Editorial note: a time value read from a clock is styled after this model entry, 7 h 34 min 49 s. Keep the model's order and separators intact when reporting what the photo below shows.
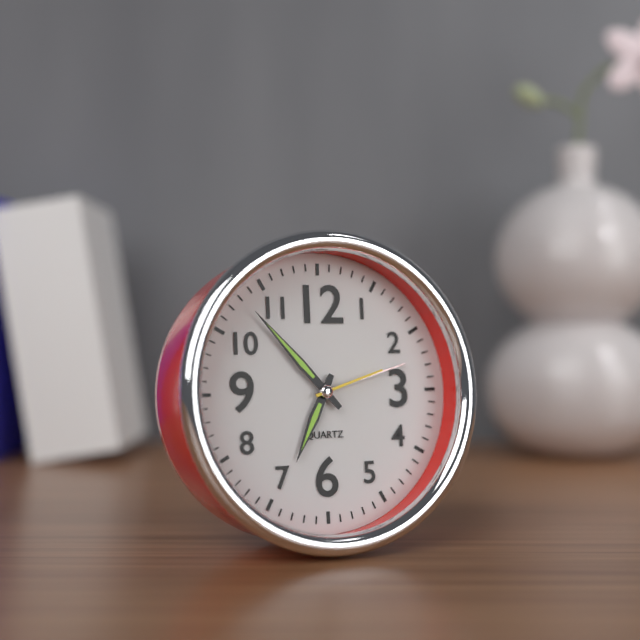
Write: 6 h 53 min 12 s
